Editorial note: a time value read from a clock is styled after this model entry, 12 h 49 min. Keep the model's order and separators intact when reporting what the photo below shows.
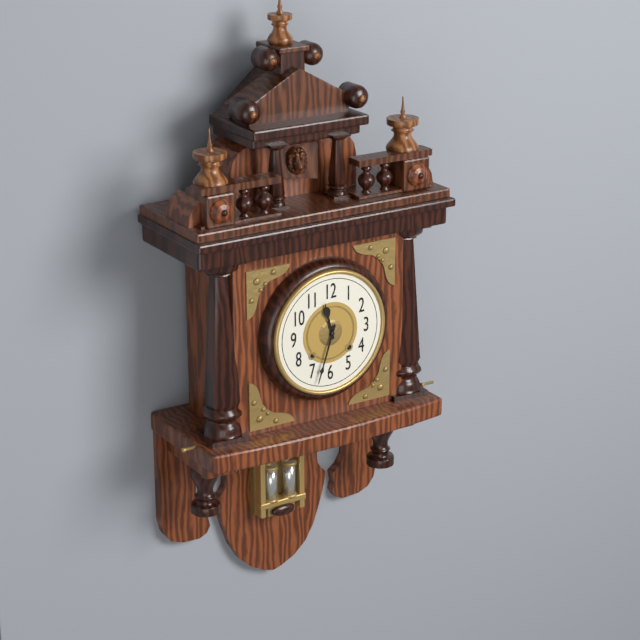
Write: 11 h 33 min
